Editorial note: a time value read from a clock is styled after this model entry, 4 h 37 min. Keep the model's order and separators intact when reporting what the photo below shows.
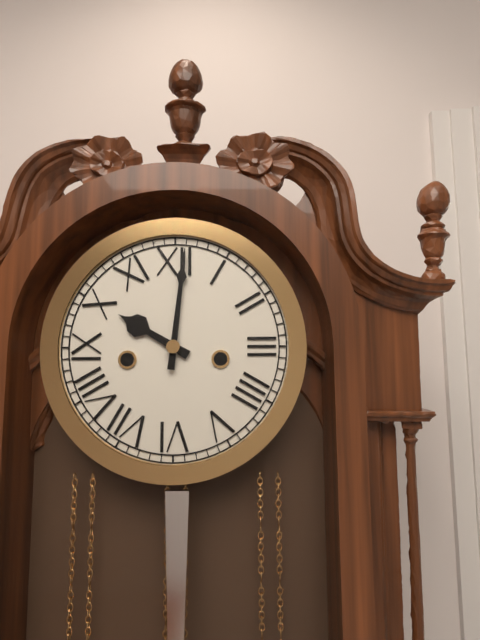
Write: 10 h 01 min
